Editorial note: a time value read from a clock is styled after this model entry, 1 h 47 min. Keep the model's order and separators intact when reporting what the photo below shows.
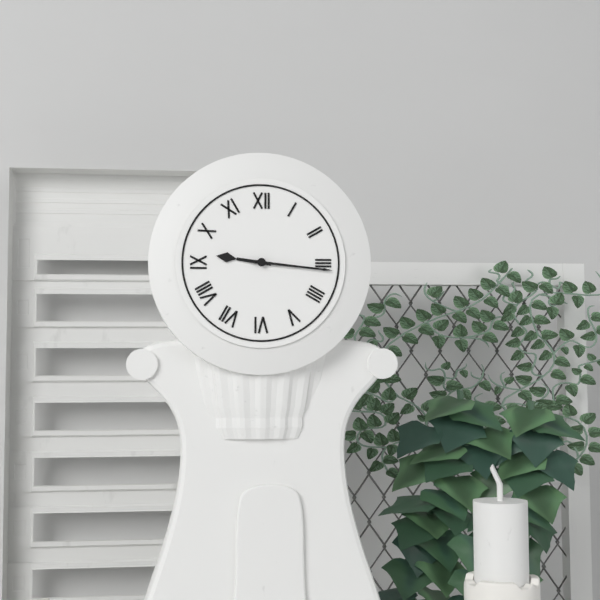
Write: 9 h 16 min
